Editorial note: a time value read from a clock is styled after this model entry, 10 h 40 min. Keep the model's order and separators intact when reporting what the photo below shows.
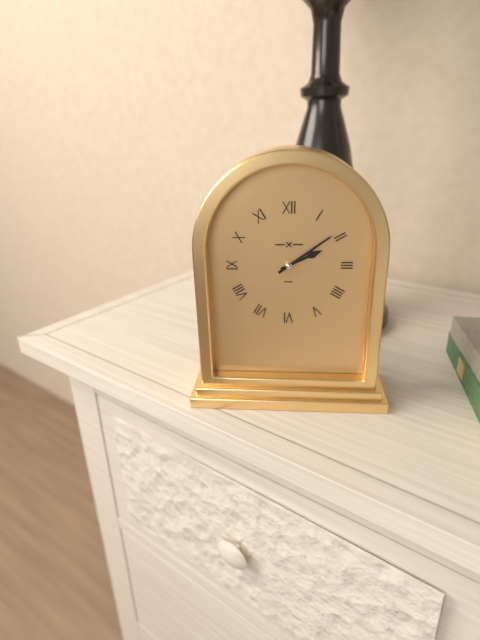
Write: 2 h 09 min
